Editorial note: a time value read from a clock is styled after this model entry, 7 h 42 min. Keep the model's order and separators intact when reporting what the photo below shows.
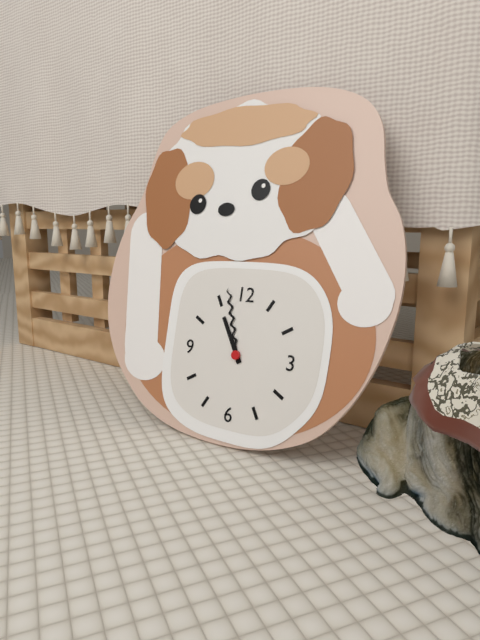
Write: 10 h 57 min
